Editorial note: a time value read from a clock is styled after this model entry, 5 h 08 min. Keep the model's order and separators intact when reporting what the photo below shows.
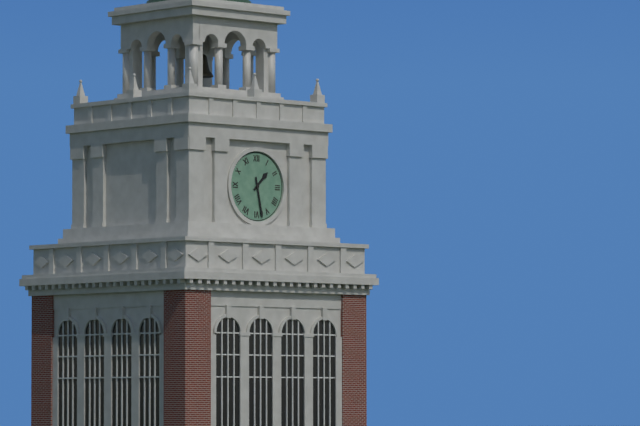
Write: 1 h 28 min
